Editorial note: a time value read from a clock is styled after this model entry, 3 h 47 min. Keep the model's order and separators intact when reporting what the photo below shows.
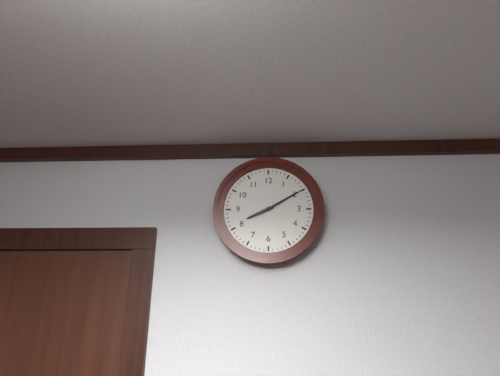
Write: 8 h 10 min
